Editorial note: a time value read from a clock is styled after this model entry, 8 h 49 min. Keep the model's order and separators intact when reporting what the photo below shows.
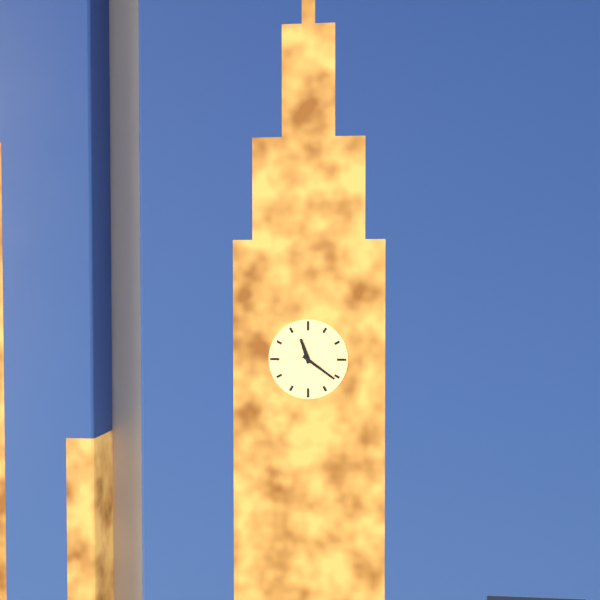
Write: 11 h 21 min
